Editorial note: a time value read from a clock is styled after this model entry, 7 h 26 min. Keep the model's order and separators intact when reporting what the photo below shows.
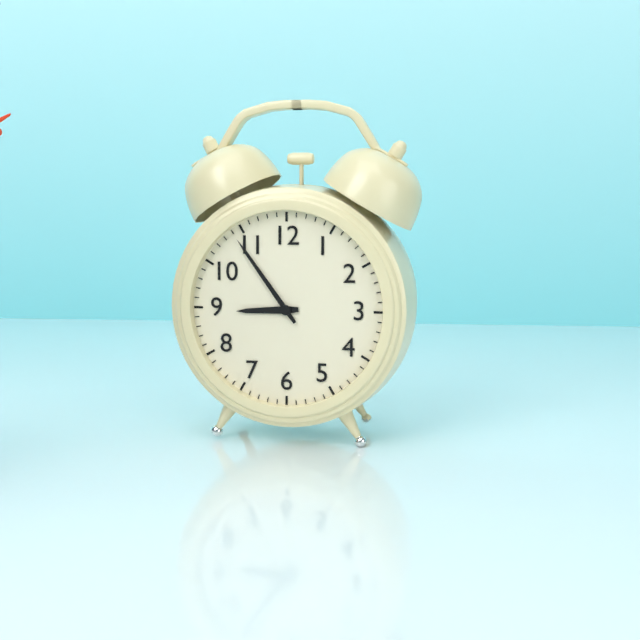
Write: 8 h 54 min
